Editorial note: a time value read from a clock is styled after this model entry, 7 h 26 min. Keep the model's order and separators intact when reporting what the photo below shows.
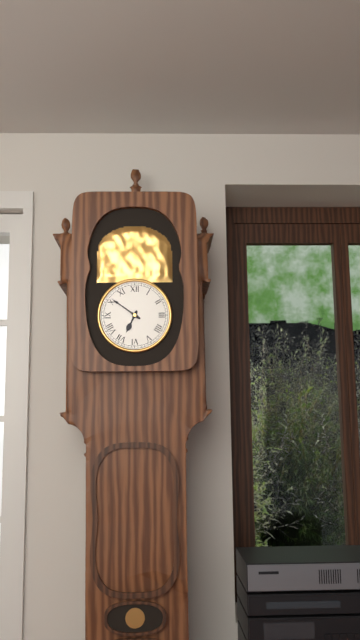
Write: 6 h 51 min
